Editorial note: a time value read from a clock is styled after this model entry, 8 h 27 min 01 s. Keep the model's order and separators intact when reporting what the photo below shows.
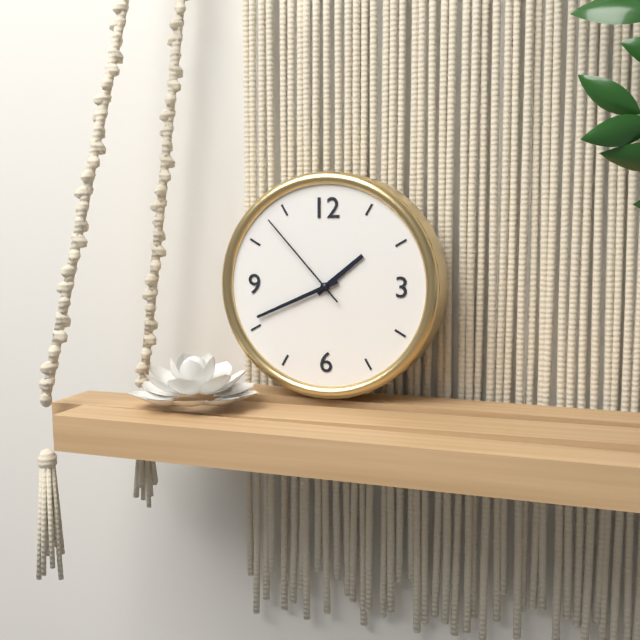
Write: 1 h 41 min 53 s
